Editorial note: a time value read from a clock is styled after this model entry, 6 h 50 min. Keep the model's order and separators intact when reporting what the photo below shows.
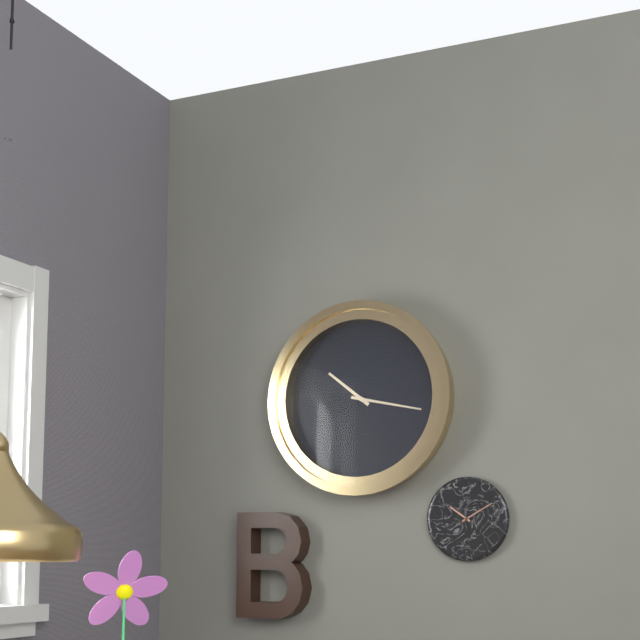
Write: 10 h 17 min
